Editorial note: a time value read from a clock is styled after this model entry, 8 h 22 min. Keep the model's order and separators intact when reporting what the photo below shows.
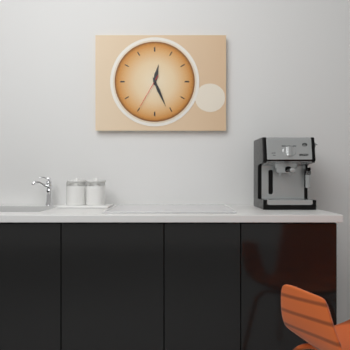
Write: 12 h 26 min
